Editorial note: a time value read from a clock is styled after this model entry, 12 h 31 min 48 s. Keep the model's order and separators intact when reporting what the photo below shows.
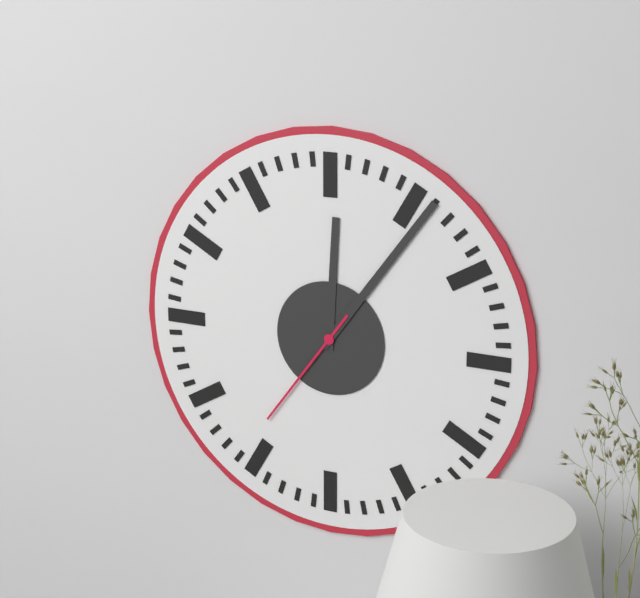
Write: 12 h 06 min 36 s
